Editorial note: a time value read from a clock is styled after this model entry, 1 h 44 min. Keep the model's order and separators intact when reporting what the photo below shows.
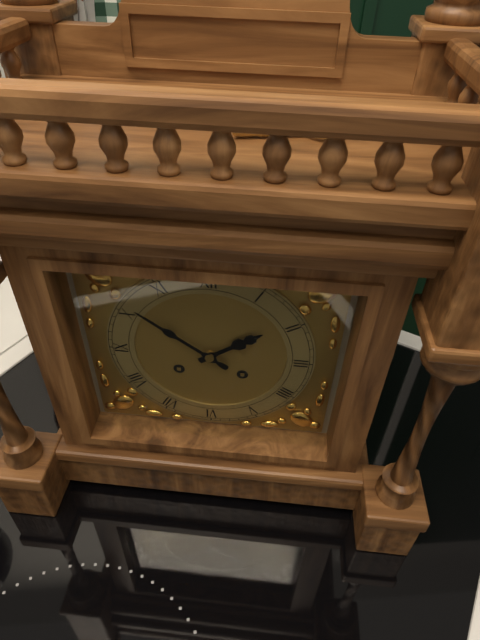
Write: 1 h 51 min
